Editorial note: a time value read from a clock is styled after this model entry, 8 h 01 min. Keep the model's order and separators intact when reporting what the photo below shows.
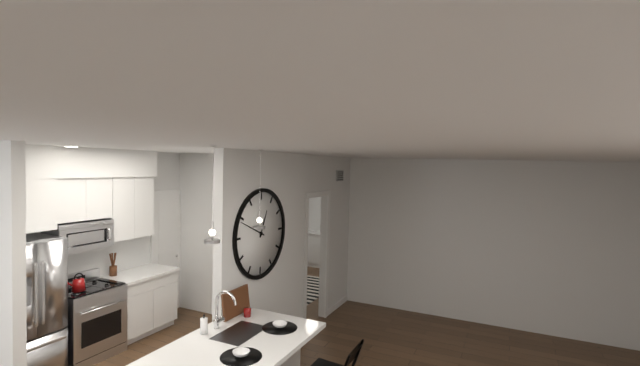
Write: 12 h 49 min
